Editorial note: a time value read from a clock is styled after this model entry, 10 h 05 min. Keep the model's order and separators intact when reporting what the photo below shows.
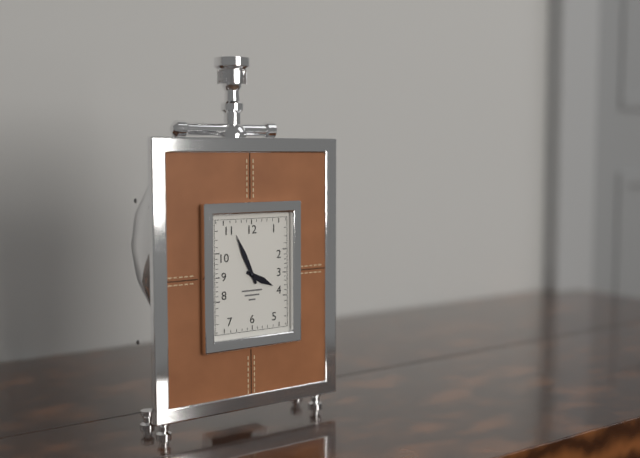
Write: 3 h 56 min
